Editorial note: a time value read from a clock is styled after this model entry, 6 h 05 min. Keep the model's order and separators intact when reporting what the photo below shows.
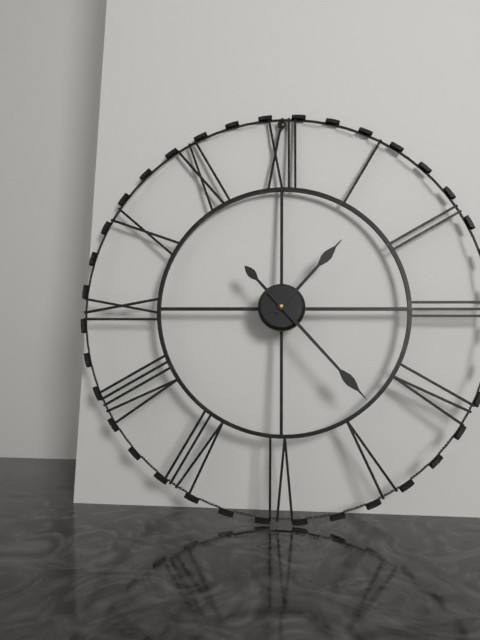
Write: 1 h 23 min
